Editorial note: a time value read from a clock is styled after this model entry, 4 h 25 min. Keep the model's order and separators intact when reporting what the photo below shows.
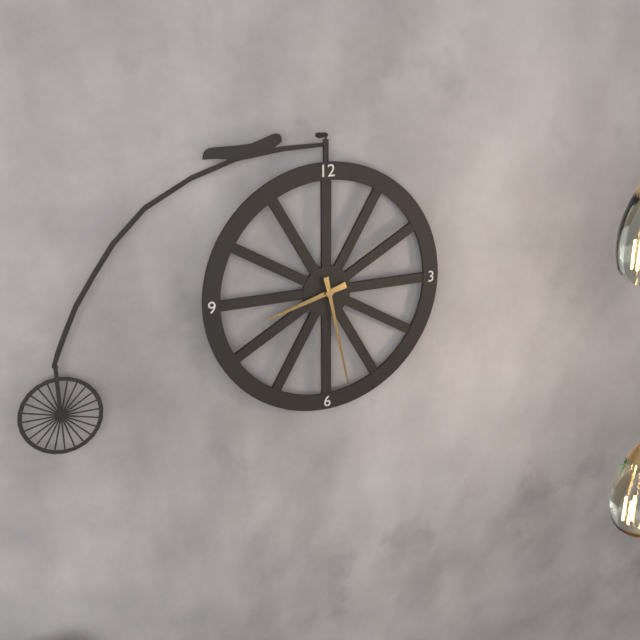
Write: 8 h 28 min
